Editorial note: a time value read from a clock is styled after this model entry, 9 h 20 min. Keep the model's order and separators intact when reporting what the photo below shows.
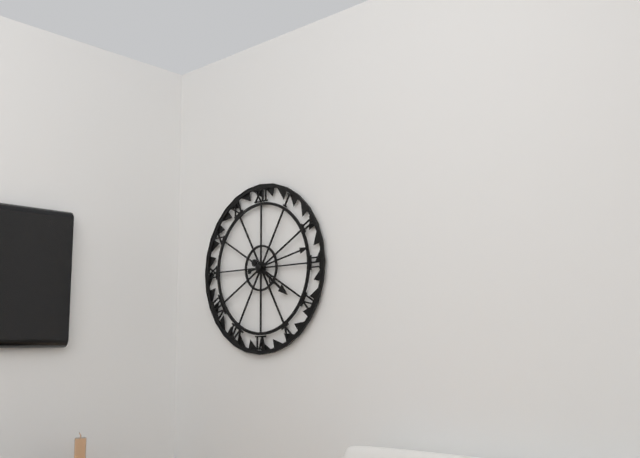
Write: 4 h 13 min
